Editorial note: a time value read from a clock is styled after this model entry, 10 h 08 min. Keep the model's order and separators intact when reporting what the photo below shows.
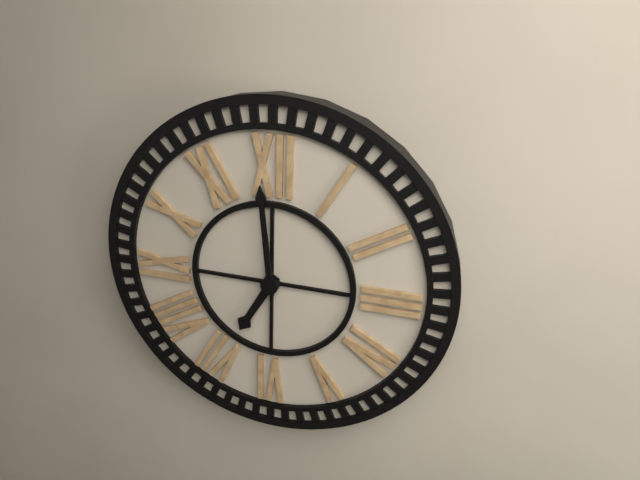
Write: 6 h 59 min
